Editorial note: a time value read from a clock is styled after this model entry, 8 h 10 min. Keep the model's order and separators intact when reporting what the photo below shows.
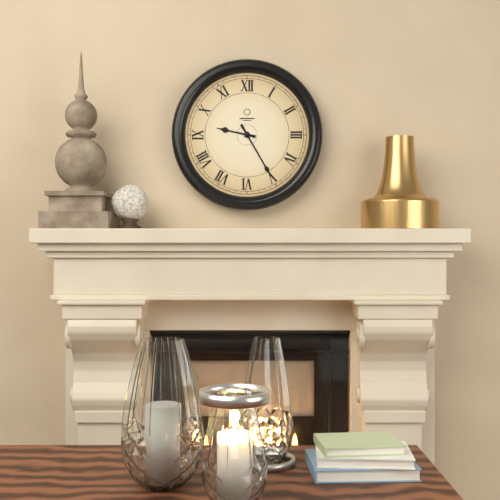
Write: 9 h 25 min
